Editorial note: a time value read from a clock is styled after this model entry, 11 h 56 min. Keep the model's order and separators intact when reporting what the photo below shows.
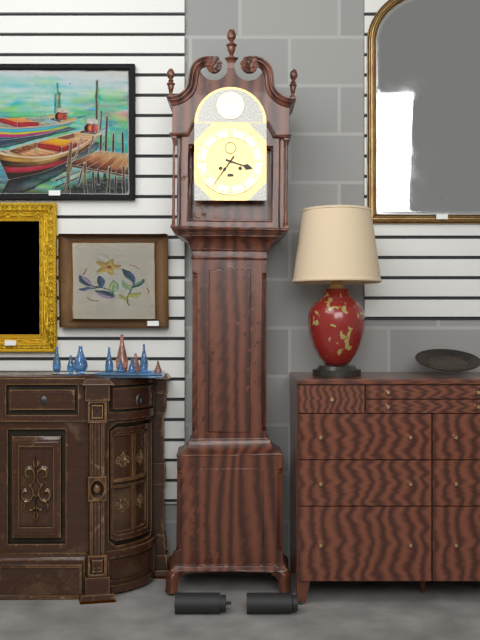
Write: 3 h 36 min
